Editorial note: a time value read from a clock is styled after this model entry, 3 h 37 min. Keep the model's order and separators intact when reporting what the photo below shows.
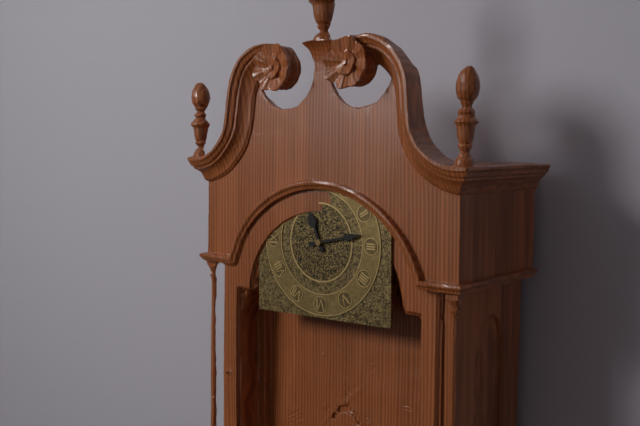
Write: 11 h 13 min
